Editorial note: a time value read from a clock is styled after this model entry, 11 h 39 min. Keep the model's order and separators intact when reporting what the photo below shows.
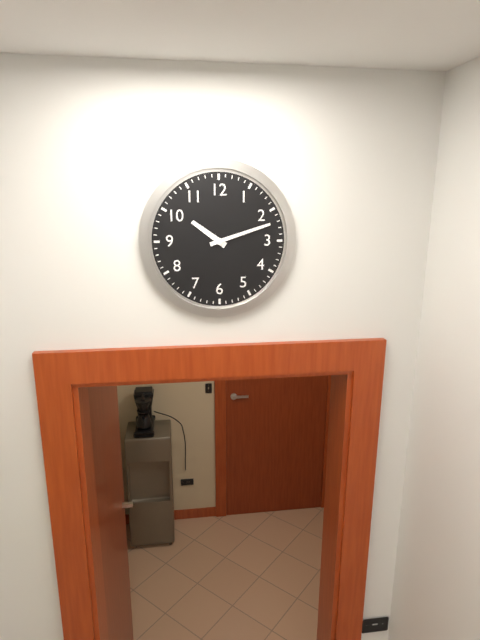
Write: 10 h 12 min
